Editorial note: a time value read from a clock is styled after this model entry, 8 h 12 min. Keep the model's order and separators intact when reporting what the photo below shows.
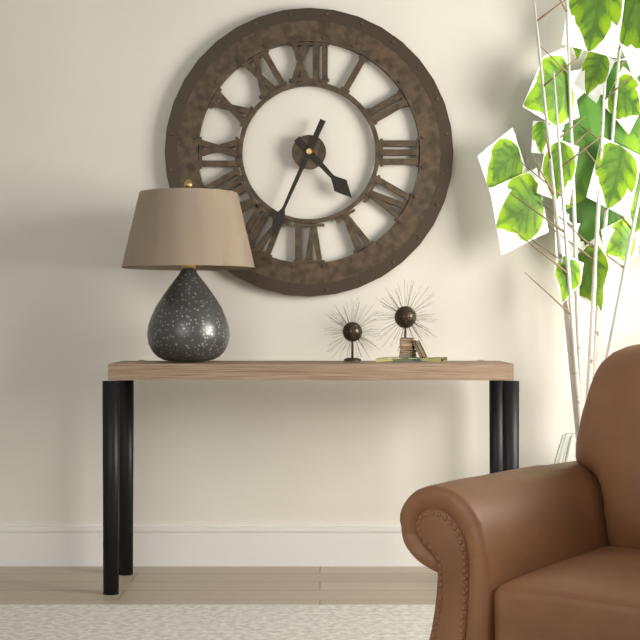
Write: 4 h 34 min
